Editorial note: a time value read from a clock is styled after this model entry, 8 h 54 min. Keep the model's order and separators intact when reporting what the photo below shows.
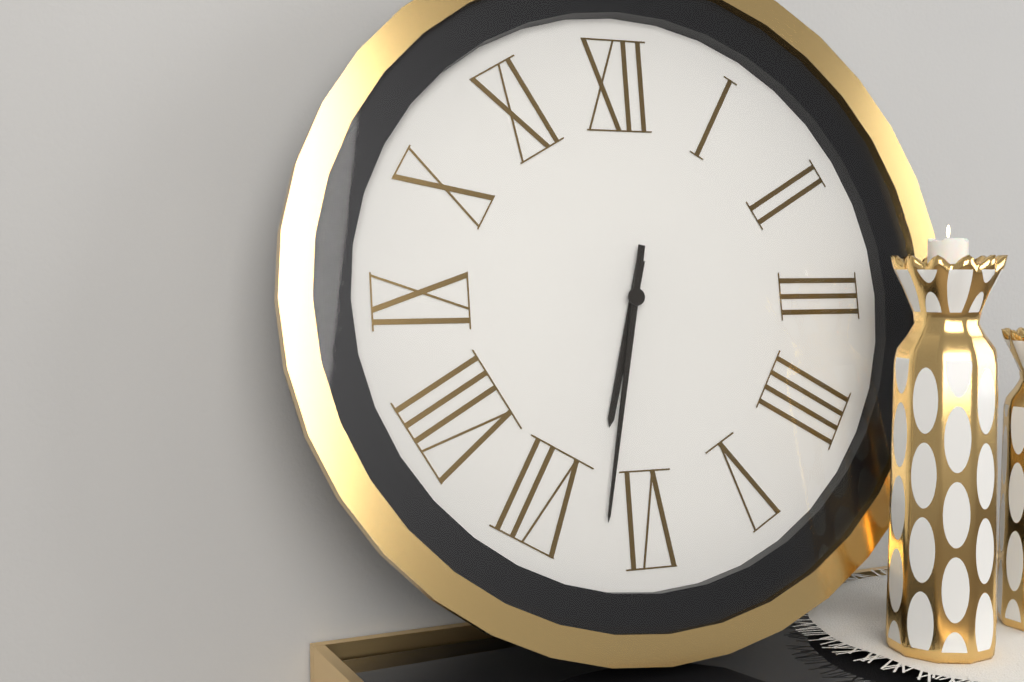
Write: 6 h 32 min
